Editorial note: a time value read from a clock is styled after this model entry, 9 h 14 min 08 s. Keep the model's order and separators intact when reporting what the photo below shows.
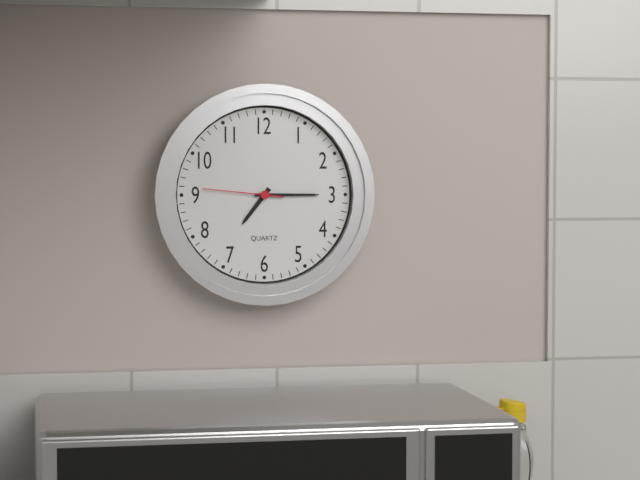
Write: 7 h 15 min 46 s
